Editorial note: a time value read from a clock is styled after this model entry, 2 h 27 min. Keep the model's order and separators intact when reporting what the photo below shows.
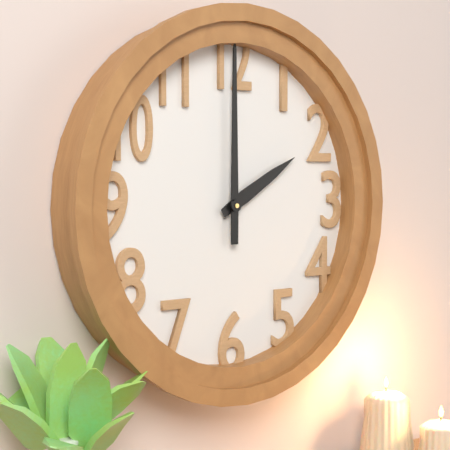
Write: 2 h 00 min
